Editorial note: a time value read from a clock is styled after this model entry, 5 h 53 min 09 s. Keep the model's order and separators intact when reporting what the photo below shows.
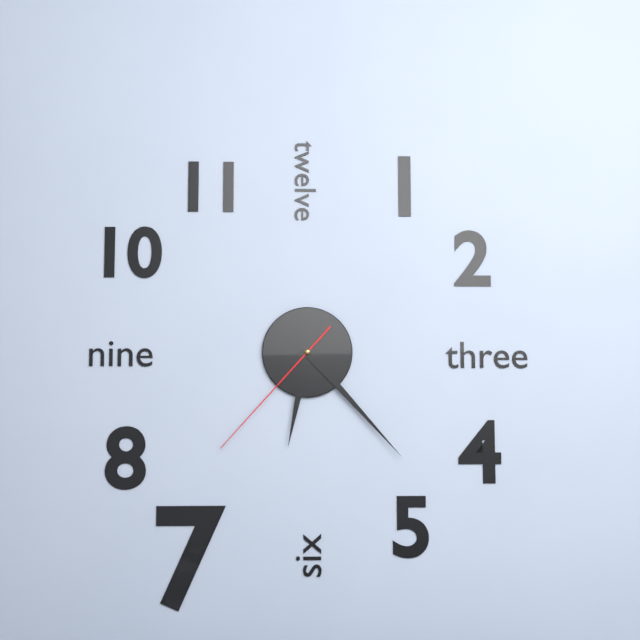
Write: 6 h 23 min 37 s
